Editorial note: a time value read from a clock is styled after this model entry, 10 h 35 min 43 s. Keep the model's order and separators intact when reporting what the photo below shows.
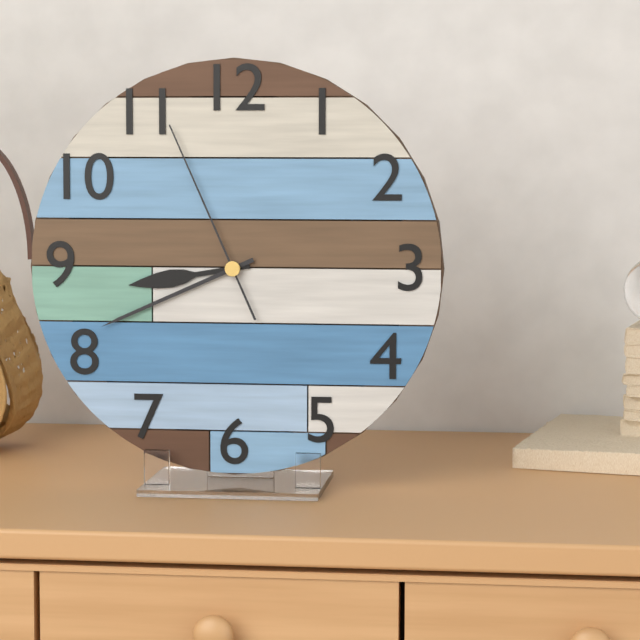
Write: 8 h 41 min 56 s
